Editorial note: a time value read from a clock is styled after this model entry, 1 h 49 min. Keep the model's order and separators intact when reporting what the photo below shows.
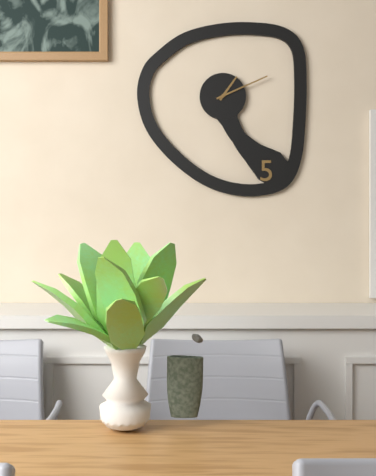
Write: 1 h 11 min
